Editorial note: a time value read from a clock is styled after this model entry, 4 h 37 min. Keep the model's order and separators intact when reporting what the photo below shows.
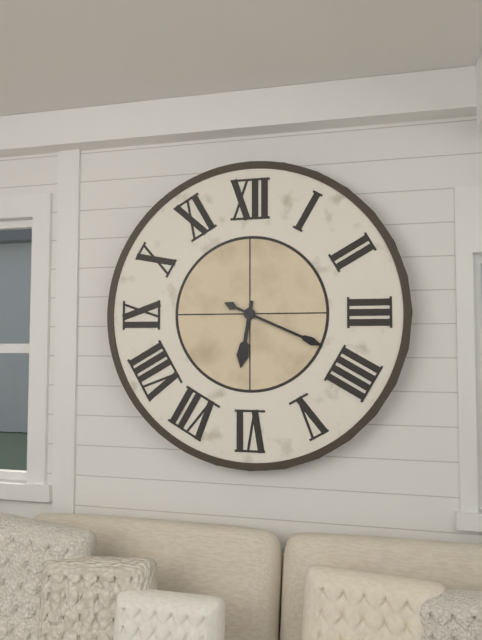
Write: 6 h 19 min
